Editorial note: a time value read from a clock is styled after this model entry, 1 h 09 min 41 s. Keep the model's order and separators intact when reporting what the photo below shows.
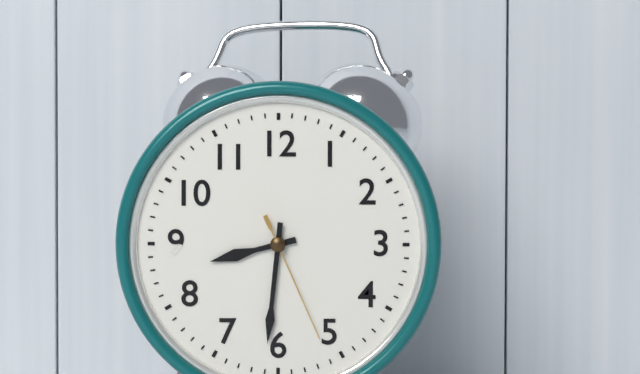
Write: 8 h 31 min 26 s
